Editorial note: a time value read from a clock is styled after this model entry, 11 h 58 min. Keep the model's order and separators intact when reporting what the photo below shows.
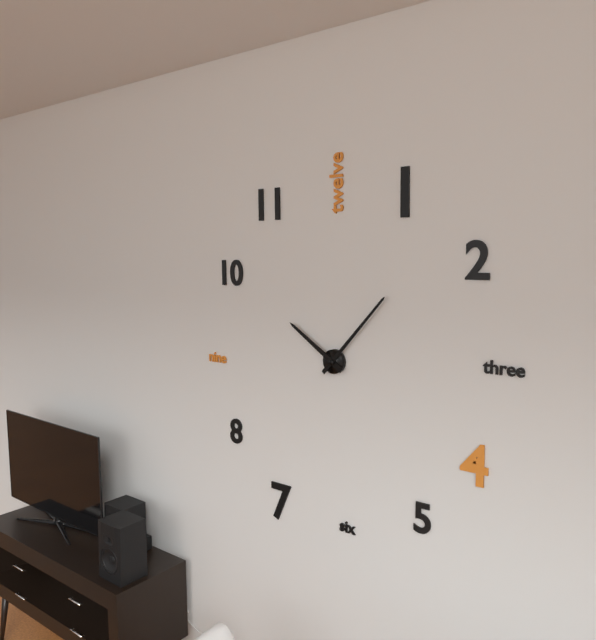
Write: 10 h 07 min
